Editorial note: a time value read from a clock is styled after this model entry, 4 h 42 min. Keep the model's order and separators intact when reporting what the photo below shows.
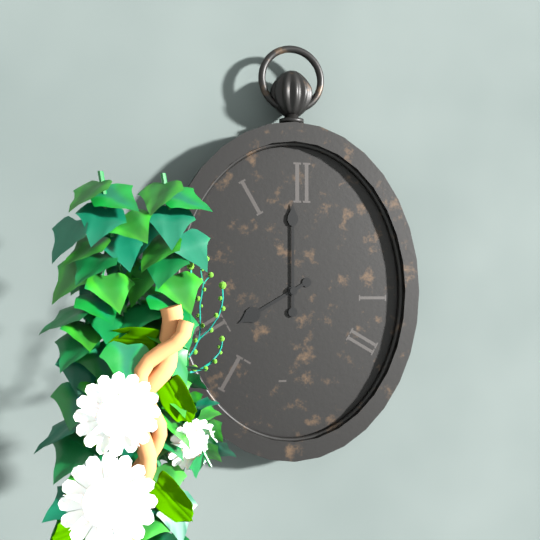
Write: 8 h 00 min
